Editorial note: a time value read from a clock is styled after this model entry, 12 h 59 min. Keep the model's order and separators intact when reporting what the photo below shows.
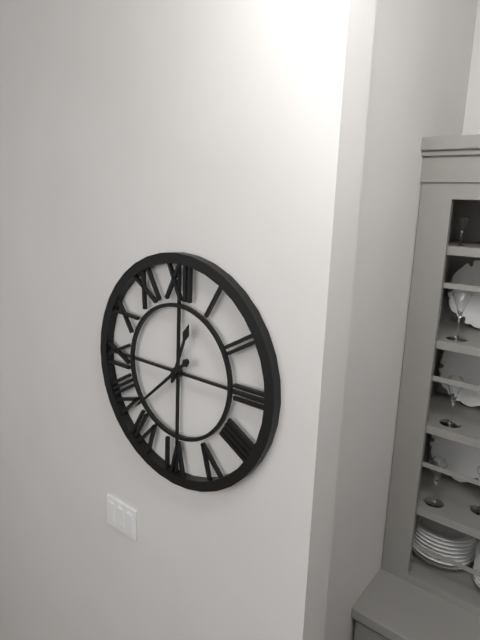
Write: 12 h 38 min
